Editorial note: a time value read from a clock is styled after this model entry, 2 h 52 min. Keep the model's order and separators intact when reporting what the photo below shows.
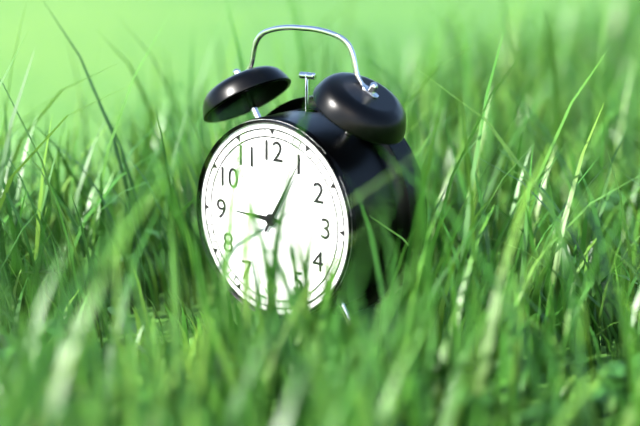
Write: 9 h 05 min
